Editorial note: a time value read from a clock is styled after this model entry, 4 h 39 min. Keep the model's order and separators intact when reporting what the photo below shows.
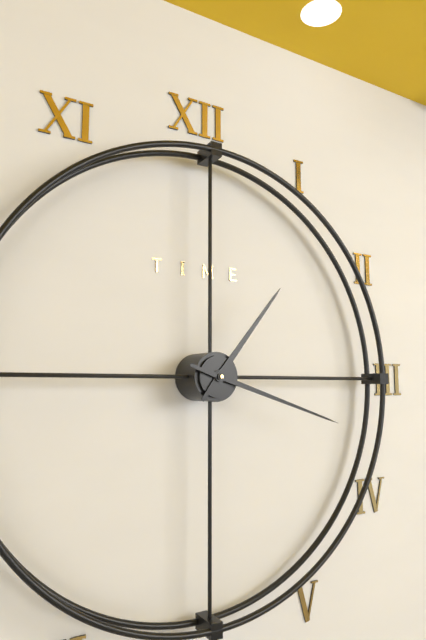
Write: 1 h 18 min
